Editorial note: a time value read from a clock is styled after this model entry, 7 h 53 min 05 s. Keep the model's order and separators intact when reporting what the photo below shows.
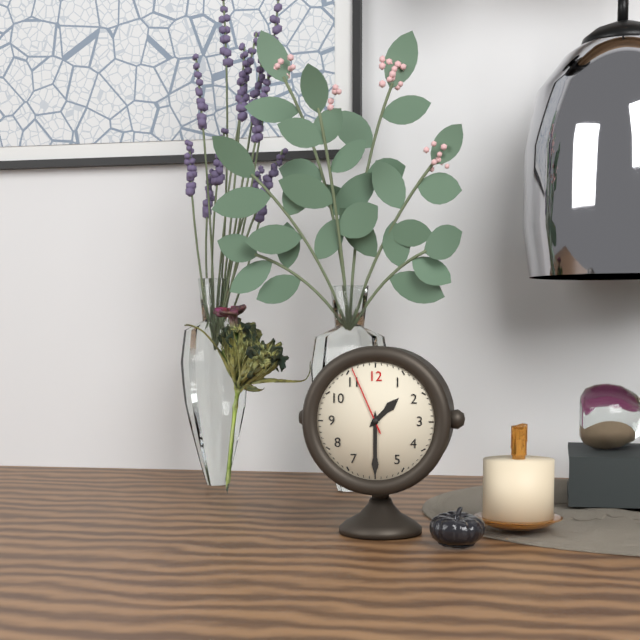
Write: 1 h 30 min 56 s
